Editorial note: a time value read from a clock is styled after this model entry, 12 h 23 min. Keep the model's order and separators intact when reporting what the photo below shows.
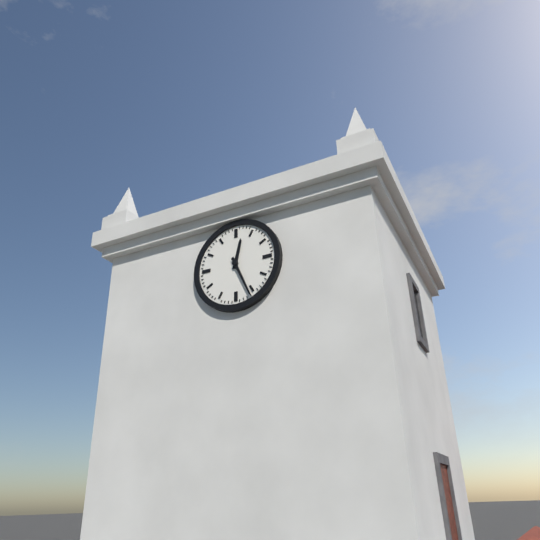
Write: 12 h 26 min
